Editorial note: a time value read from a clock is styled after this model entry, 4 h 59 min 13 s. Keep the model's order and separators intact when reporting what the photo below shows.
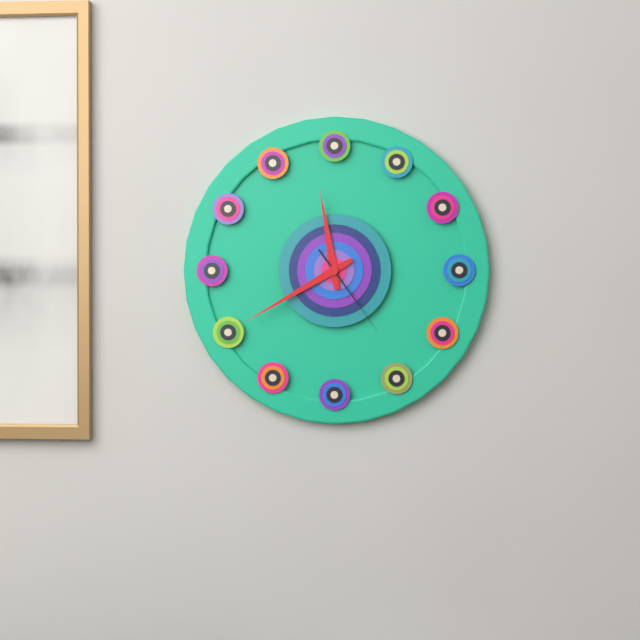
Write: 11 h 40 min 24 s
